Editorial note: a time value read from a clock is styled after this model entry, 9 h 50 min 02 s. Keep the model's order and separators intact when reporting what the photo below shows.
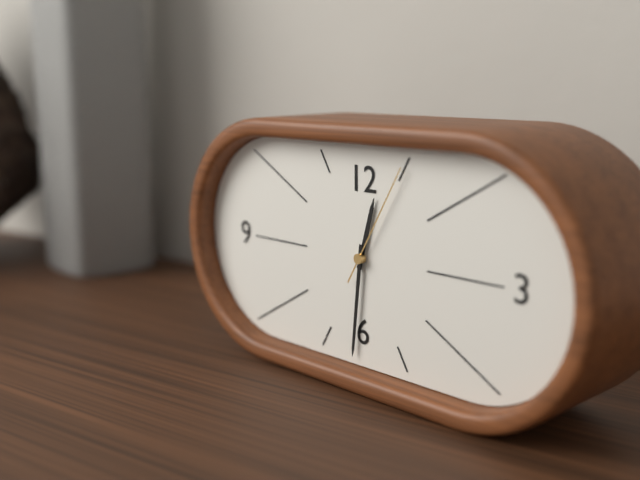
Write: 12 h 31 min 05 s
